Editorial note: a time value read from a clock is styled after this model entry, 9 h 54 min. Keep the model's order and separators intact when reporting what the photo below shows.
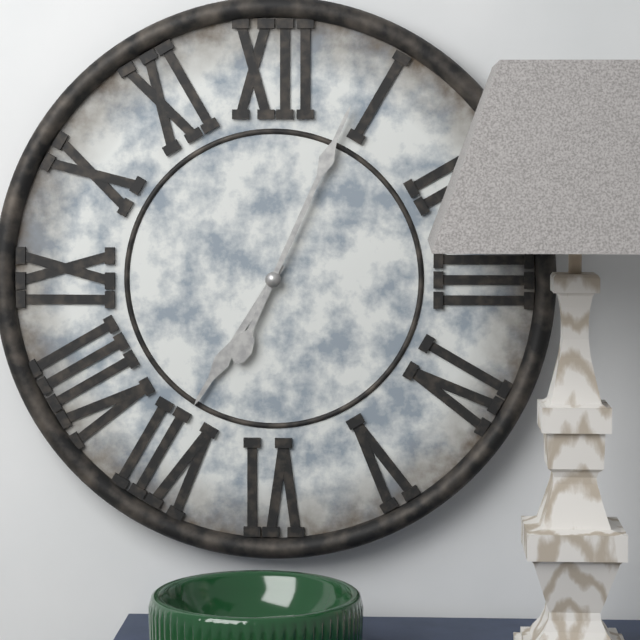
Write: 7 h 04 min
